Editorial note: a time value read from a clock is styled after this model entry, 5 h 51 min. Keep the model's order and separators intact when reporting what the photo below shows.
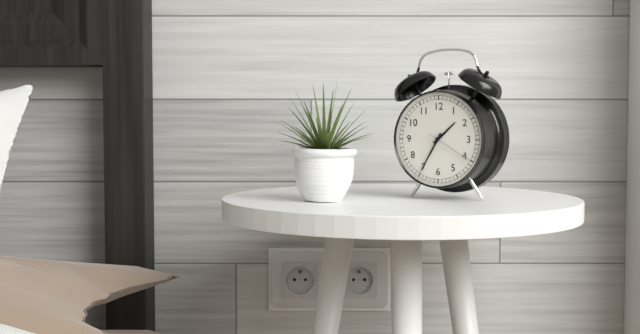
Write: 1 h 35 min
